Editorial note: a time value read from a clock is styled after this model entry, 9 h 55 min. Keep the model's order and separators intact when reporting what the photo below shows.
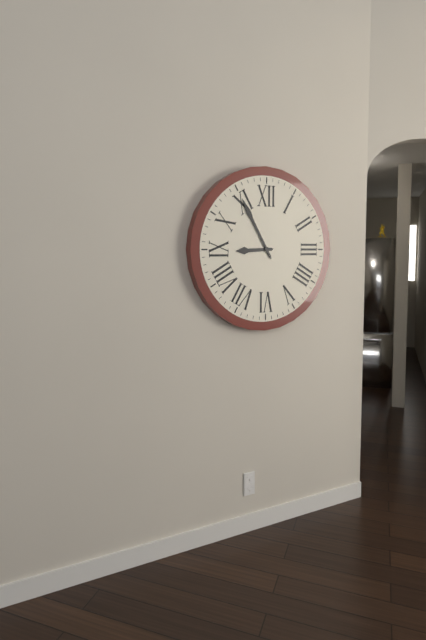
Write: 8 h 55 min
